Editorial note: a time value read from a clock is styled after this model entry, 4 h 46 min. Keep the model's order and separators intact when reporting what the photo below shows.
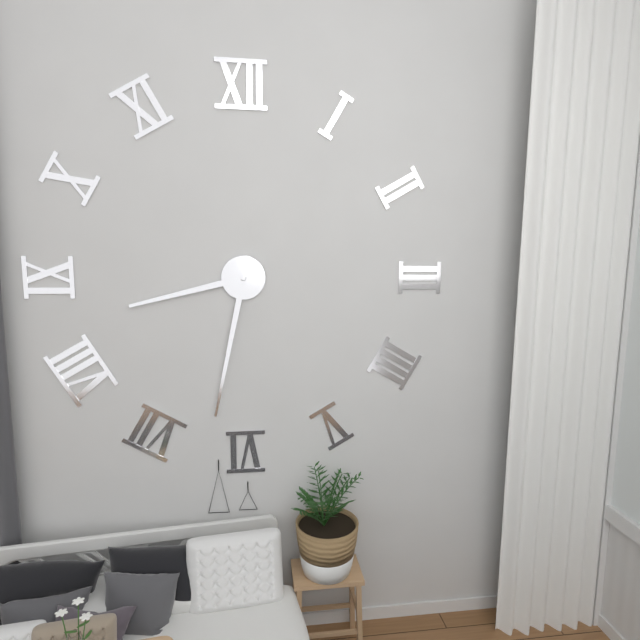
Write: 8 h 32 min
